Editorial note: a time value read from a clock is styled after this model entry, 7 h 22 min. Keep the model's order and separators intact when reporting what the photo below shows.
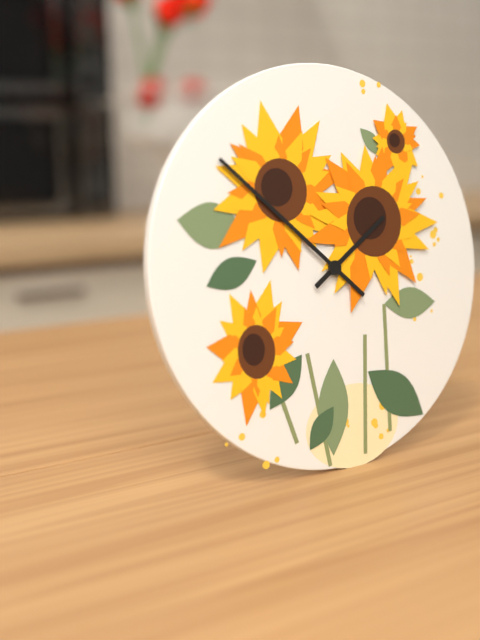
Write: 1 h 52 min
